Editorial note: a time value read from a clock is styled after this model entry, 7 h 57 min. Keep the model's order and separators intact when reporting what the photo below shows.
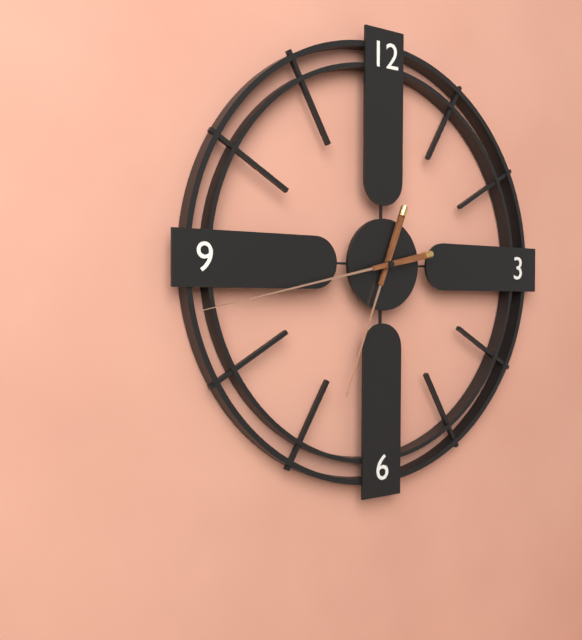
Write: 6 h 43 min
